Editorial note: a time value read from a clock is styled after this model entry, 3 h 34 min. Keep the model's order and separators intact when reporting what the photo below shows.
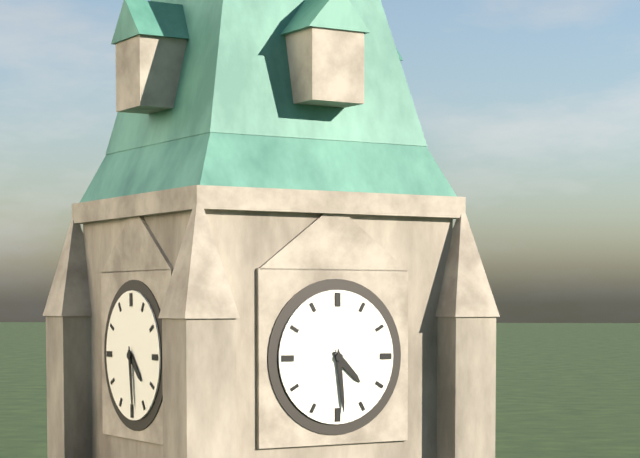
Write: 4 h 29 min
